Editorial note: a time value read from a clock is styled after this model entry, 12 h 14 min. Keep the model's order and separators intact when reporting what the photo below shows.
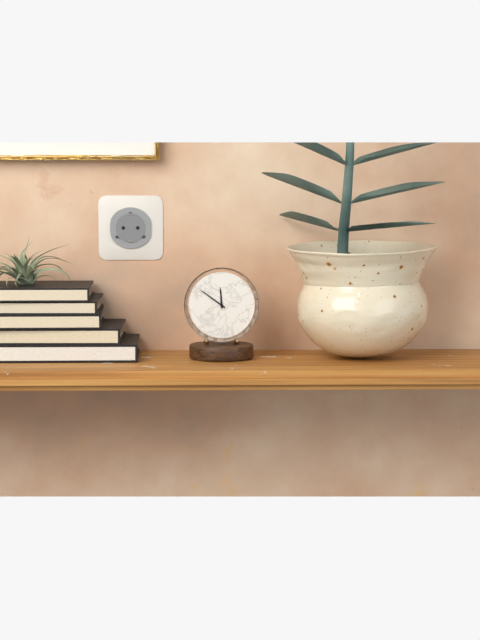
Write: 11 h 51 min
